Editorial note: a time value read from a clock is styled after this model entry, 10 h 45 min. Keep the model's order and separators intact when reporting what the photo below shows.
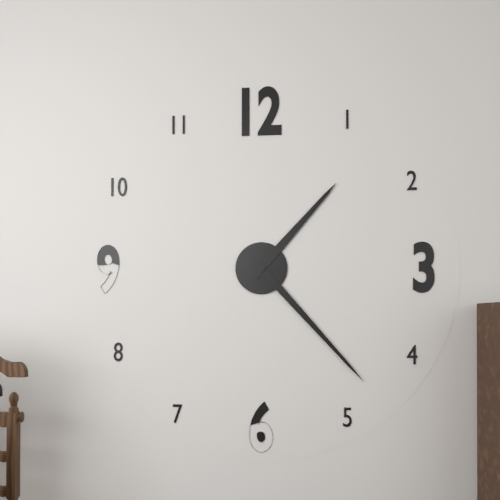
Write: 1 h 23 min
